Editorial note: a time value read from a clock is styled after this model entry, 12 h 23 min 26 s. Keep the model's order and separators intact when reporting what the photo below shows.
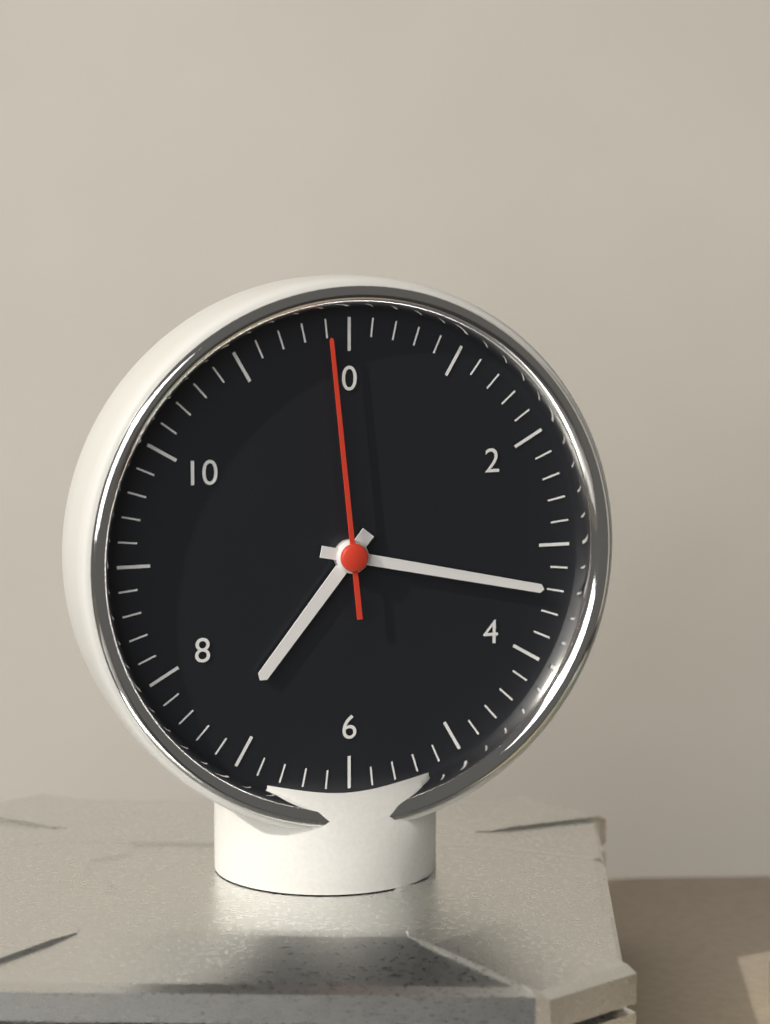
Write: 7 h 17 min 59 s
